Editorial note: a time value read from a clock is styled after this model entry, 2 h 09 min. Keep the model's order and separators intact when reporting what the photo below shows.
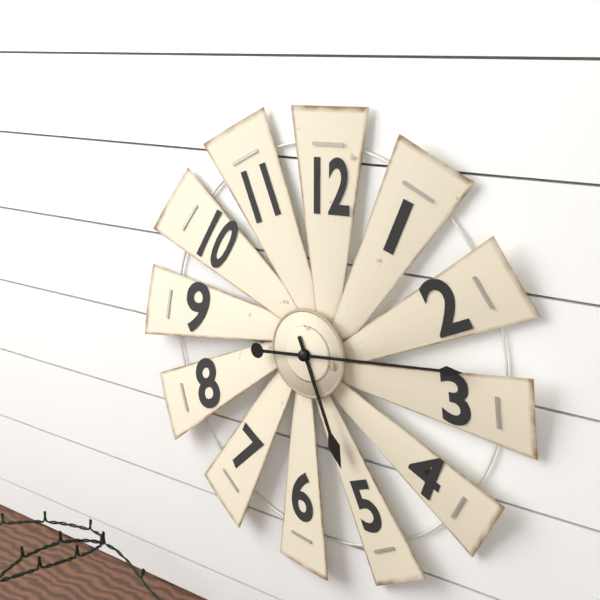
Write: 5 h 14 min
